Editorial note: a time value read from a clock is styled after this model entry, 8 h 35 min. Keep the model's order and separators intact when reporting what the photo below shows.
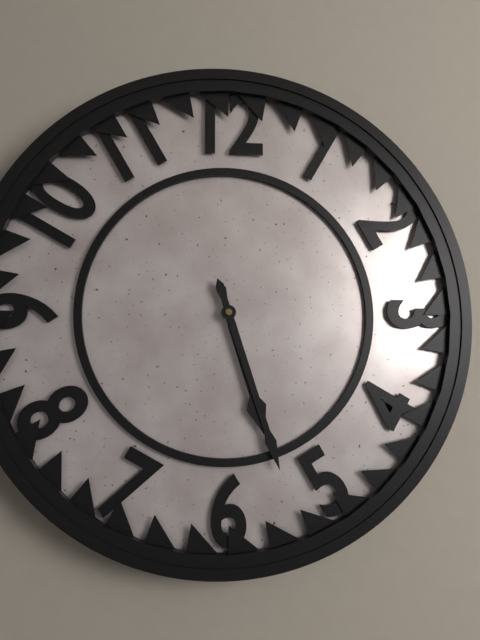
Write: 5 h 27 min
